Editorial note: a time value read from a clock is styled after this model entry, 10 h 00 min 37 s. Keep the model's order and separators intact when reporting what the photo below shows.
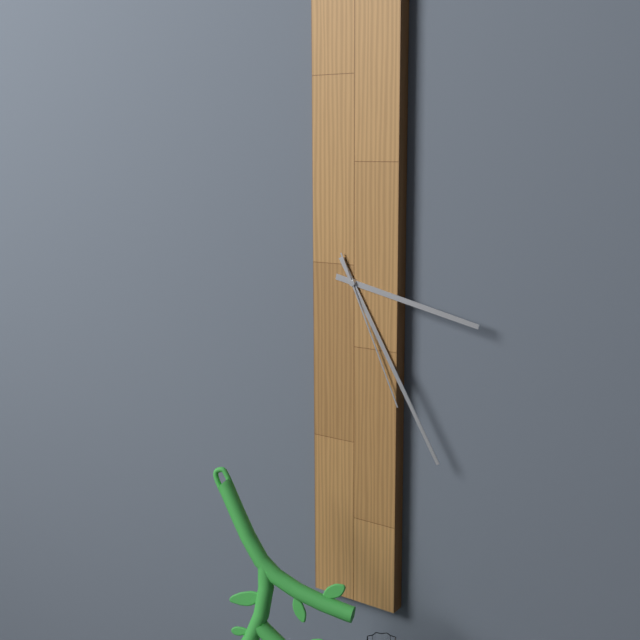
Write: 3 h 25 min 26 s
